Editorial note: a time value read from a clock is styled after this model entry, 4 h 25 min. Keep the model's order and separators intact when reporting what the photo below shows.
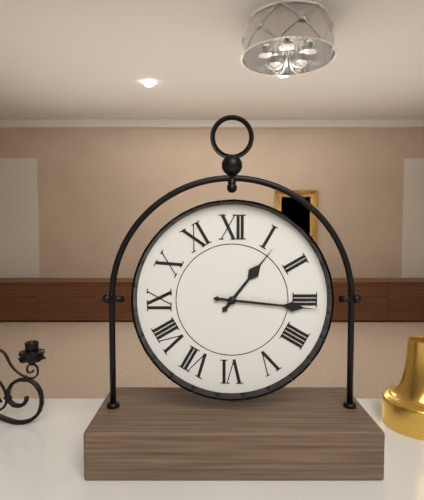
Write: 1 h 16 min
